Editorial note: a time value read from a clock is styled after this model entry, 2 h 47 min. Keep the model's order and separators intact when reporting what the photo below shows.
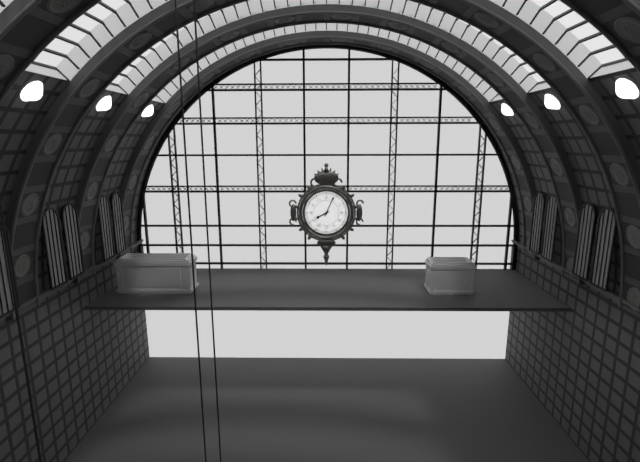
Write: 8 h 04 min
